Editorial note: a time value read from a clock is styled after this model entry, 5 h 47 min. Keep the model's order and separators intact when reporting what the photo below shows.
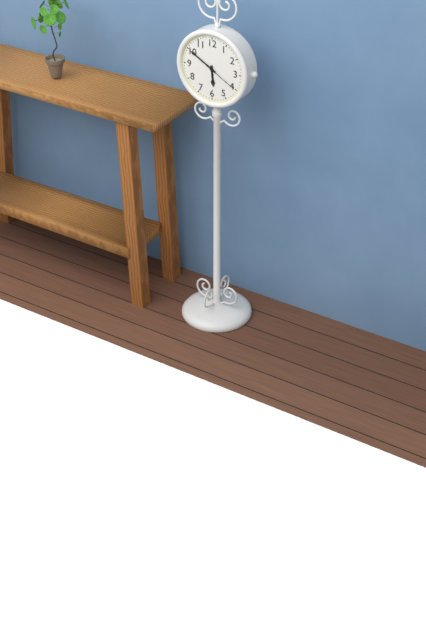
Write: 5 h 50 min
